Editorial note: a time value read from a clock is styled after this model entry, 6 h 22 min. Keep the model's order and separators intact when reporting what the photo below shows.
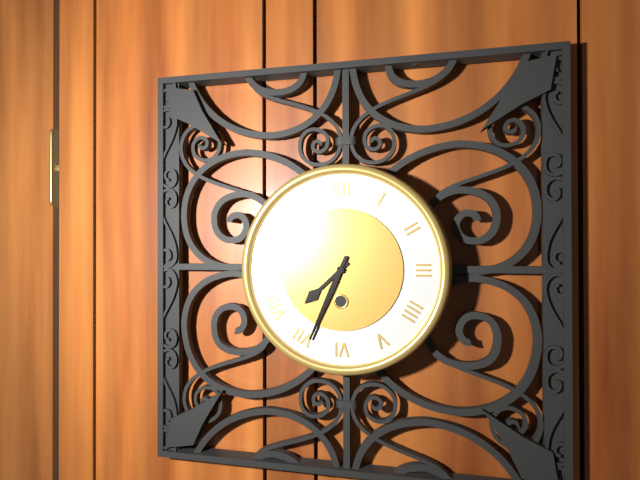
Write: 7 h 34 min
